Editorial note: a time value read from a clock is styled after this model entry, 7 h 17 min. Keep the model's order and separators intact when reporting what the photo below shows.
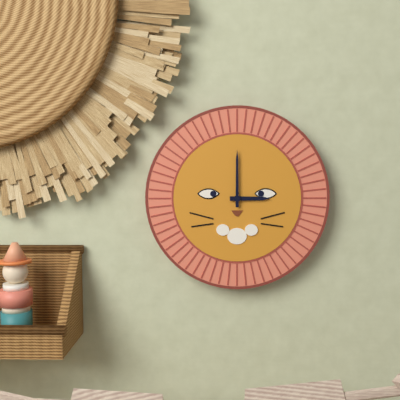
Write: 3 h 00 min
